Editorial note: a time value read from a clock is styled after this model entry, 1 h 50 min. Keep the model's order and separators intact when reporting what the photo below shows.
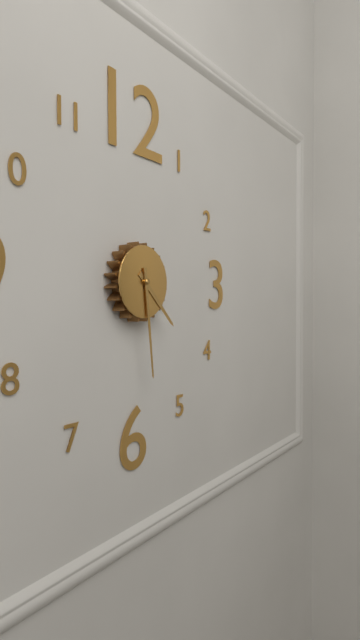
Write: 4 h 29 min
